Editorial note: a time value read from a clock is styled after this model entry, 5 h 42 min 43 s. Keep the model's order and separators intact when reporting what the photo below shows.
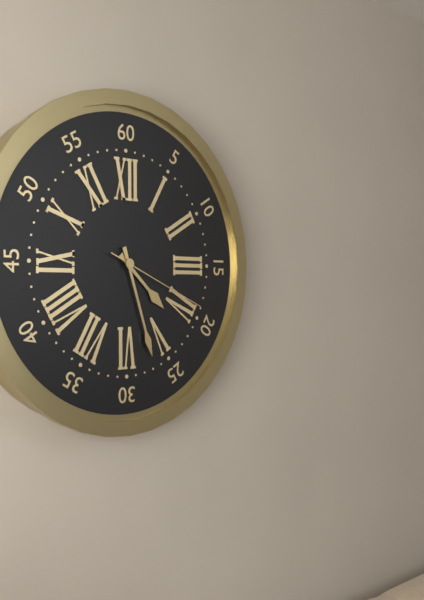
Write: 4 h 27 min 19 s
